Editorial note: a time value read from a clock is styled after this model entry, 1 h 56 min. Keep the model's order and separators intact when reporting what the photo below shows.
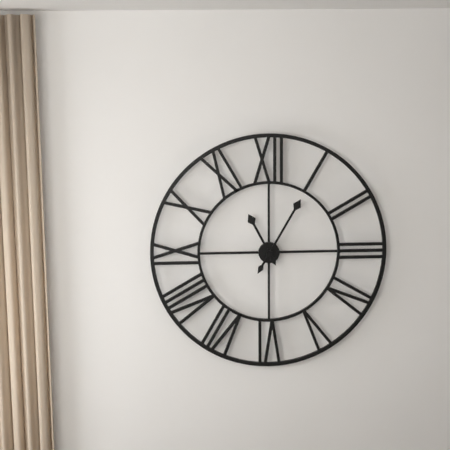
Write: 11 h 05 min
